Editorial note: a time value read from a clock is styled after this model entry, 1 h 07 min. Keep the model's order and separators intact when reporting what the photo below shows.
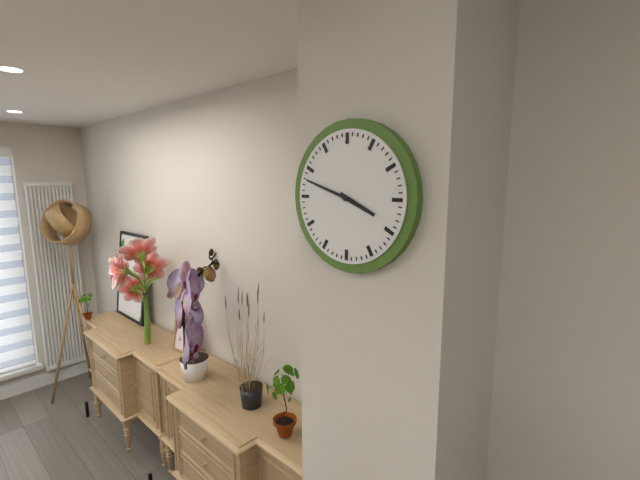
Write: 3 h 48 min
